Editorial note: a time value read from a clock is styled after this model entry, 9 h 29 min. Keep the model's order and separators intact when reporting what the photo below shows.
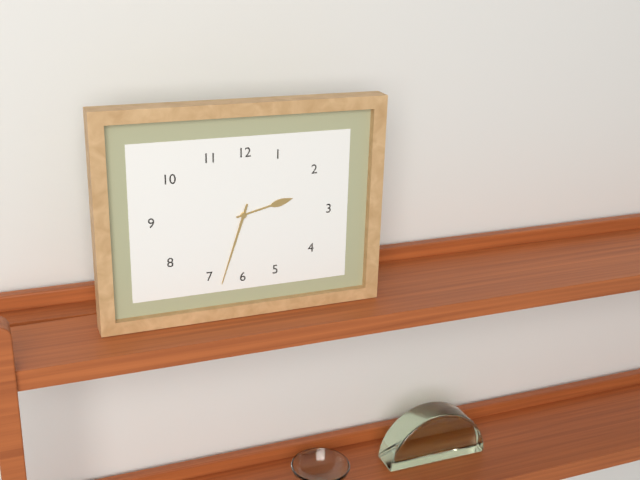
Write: 2 h 33 min
